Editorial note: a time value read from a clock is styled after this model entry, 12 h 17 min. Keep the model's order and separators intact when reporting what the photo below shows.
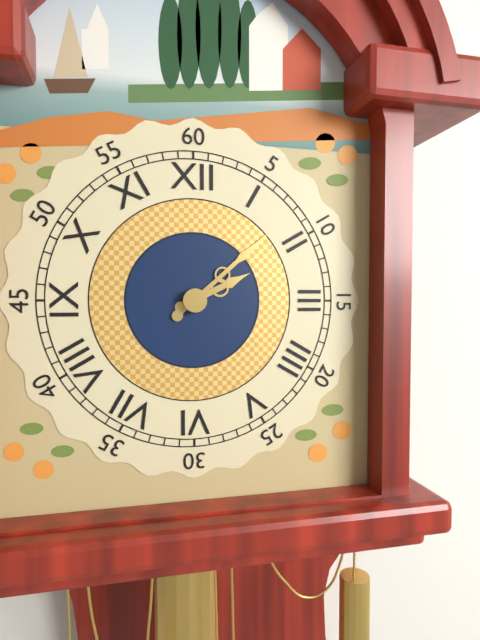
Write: 2 h 08 min
